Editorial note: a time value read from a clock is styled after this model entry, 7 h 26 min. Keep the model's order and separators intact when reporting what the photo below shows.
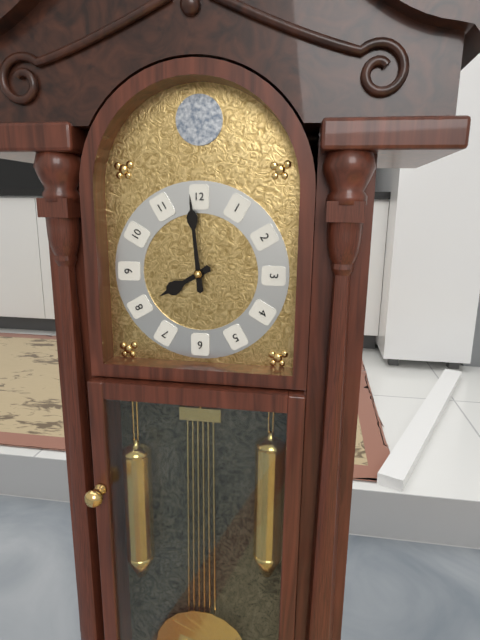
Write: 7 h 59 min
